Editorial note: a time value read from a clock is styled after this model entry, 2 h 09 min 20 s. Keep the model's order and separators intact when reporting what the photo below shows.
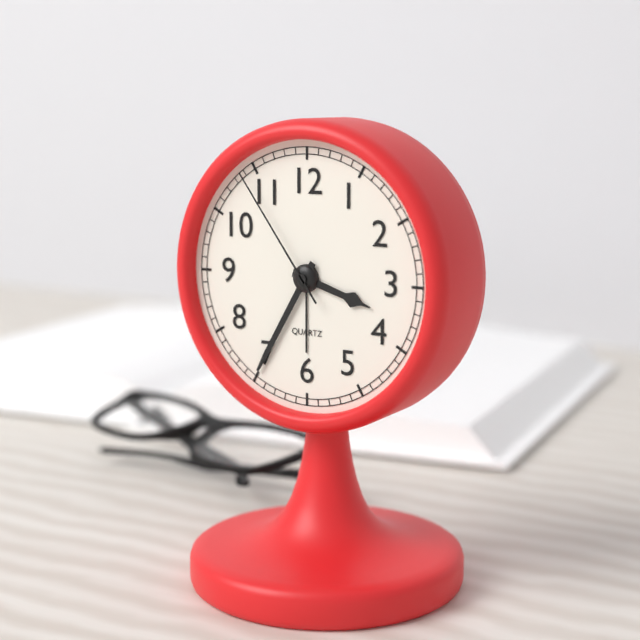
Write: 3 h 35 min 54 s
